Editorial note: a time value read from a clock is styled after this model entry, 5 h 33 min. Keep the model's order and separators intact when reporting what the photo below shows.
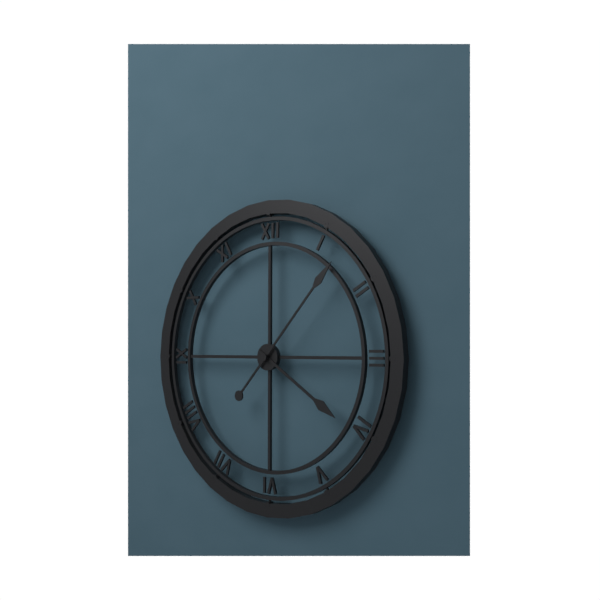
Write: 4 h 07 min
